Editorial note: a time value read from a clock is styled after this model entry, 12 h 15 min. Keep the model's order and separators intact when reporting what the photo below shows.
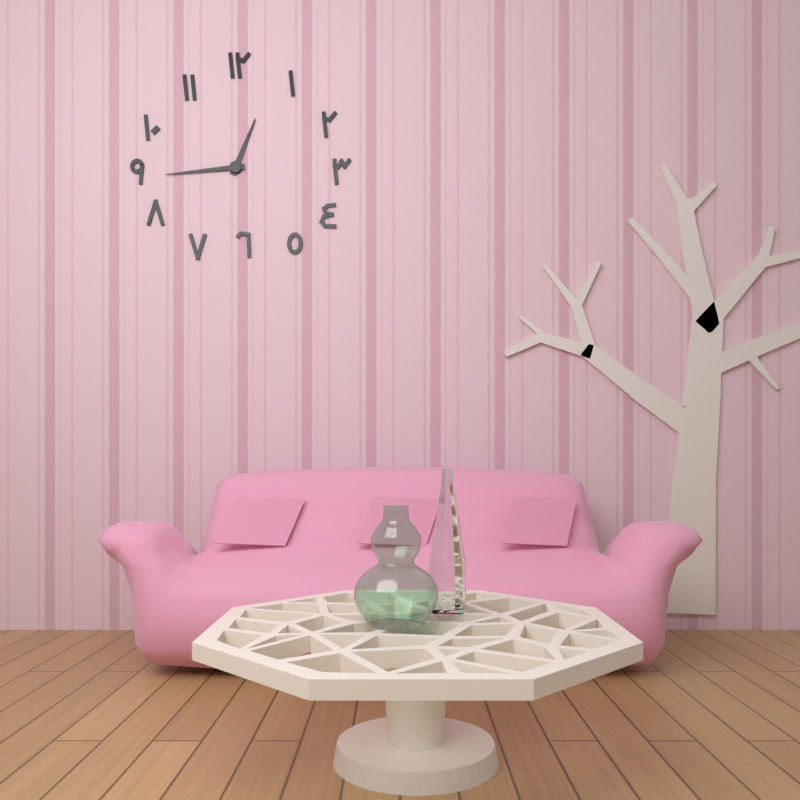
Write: 12 h 44 min
